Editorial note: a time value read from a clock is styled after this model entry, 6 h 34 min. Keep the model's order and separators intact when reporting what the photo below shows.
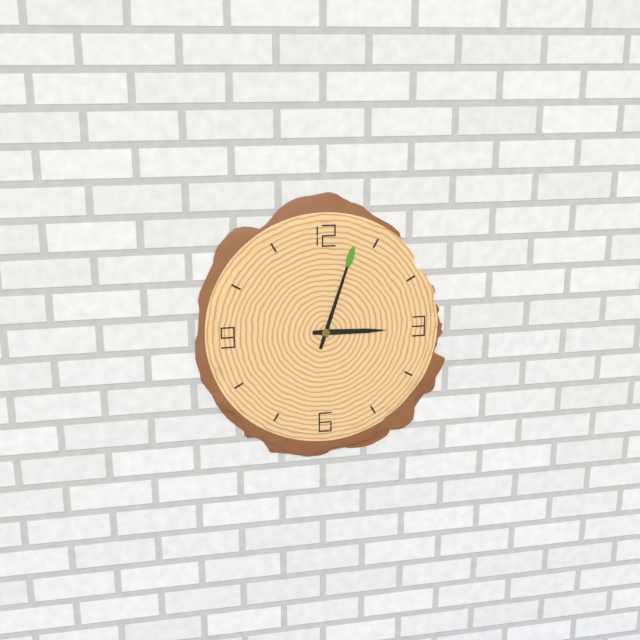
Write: 3 h 03 min
